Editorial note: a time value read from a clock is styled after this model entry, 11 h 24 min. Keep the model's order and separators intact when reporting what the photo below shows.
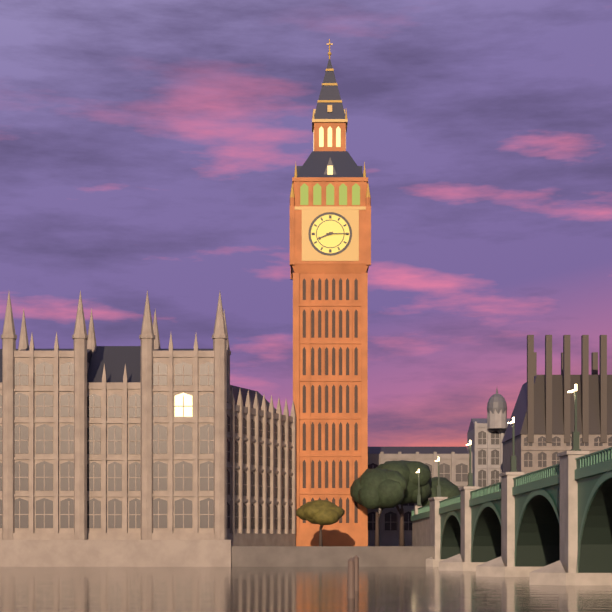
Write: 8 h 15 min
